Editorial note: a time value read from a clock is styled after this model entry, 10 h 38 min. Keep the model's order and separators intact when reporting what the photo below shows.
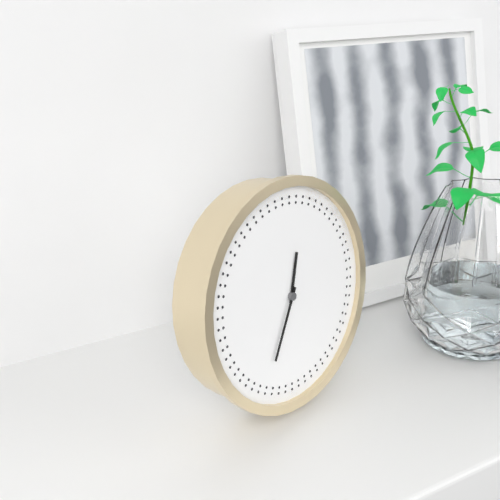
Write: 12 h 35 min
